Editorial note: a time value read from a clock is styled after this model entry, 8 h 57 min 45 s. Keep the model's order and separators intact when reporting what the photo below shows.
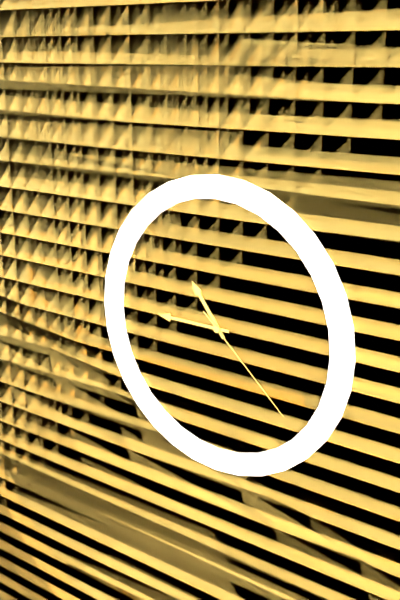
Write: 10 h 45 min 22 s
